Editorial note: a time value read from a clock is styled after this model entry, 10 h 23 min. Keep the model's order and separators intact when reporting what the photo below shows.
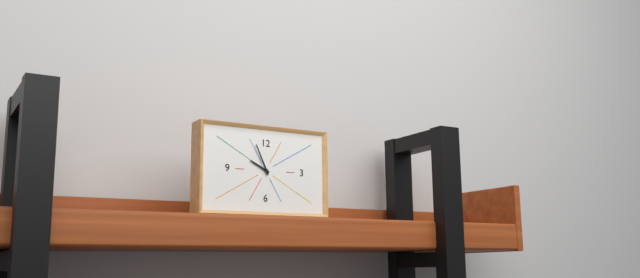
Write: 9 h 56 min
